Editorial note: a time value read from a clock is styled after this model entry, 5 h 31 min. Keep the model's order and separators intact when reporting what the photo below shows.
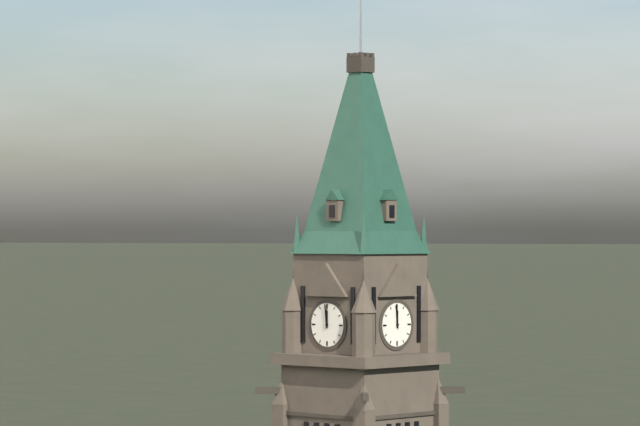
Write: 11 h 59 min
